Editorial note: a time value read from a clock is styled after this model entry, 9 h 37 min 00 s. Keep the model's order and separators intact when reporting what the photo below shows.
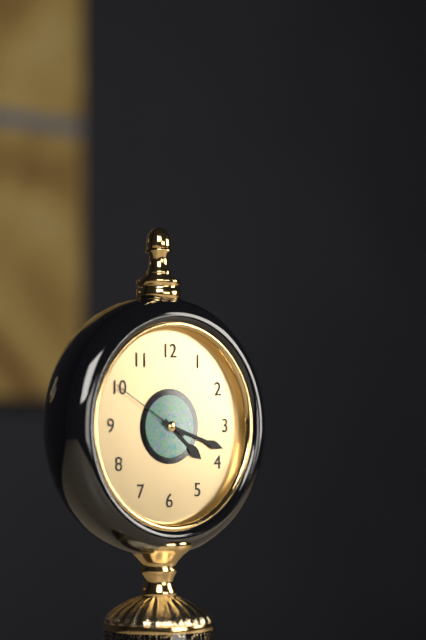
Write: 4 h 18 min 50 s
